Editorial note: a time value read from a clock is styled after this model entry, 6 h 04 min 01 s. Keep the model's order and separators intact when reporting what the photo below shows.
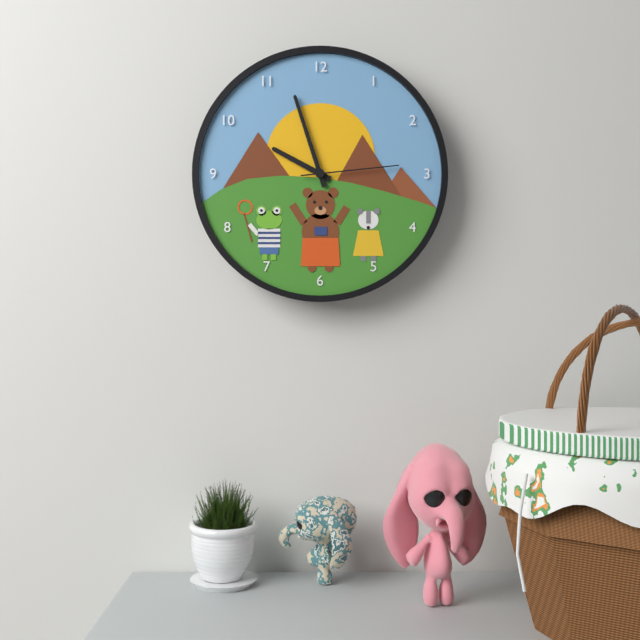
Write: 9 h 57 min 14 s
